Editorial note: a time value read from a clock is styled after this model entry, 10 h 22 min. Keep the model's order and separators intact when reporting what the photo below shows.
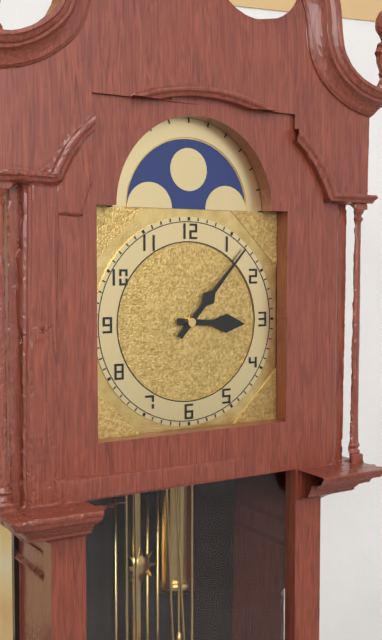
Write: 3 h 07 min
